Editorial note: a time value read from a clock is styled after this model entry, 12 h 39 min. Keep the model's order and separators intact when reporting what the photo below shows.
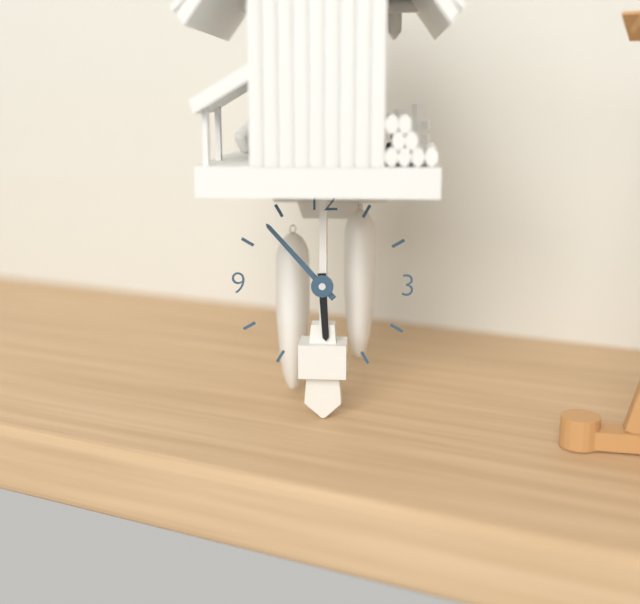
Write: 5 h 53 min
